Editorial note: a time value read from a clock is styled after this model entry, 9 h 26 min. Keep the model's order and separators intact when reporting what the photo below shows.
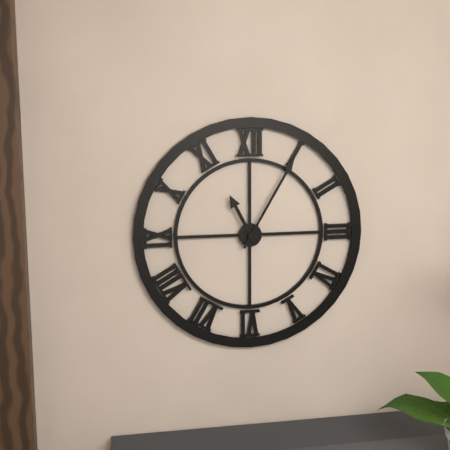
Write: 11 h 05 min
